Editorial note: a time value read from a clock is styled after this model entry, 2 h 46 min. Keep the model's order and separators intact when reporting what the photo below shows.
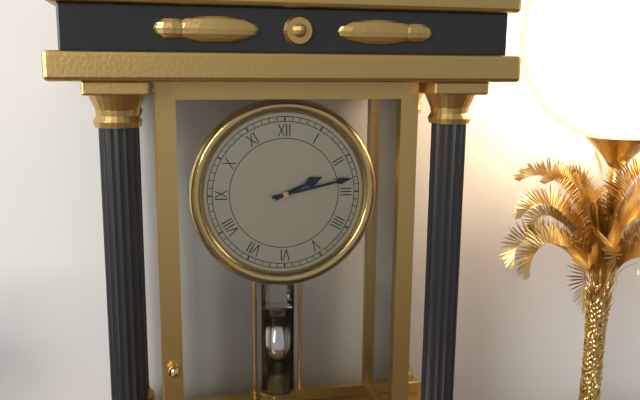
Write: 2 h 13 min
